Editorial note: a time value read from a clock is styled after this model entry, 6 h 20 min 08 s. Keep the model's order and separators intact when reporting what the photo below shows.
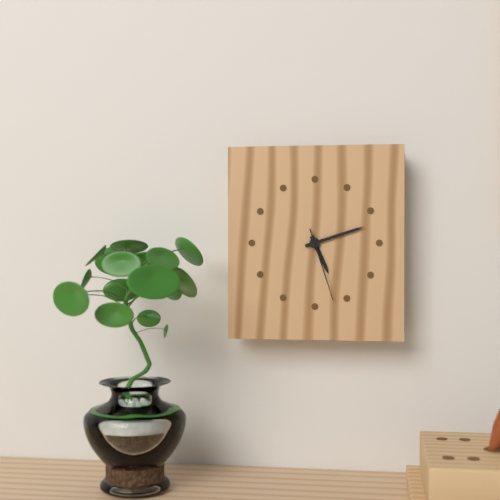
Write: 5 h 12 min 27 s
